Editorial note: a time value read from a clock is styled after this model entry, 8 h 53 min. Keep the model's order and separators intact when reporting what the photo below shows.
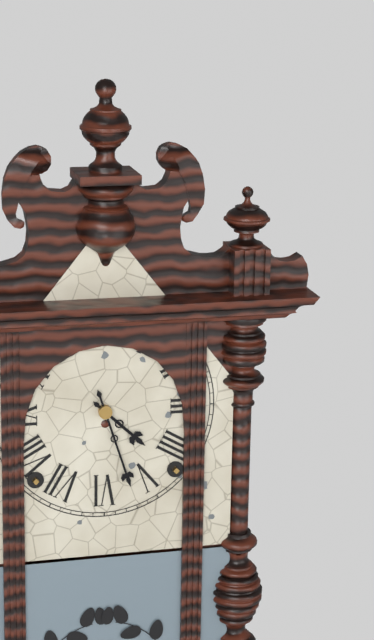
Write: 4 h 27 min
